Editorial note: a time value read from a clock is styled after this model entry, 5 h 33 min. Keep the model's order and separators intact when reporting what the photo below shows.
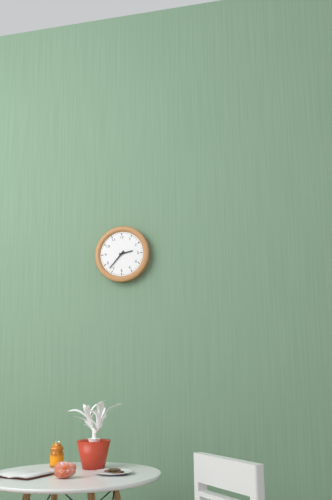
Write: 2 h 37 min
